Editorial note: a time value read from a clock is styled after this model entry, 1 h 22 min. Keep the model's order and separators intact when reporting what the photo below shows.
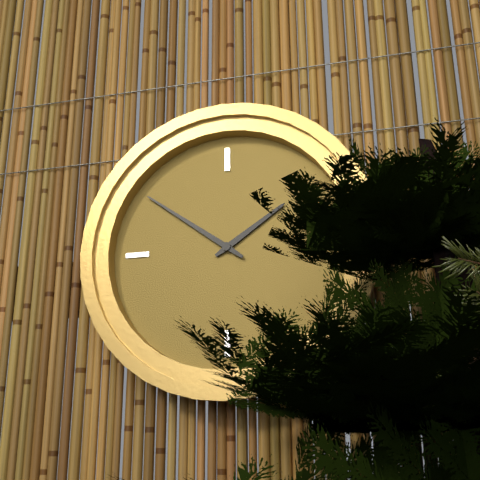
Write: 1 h 51 min
